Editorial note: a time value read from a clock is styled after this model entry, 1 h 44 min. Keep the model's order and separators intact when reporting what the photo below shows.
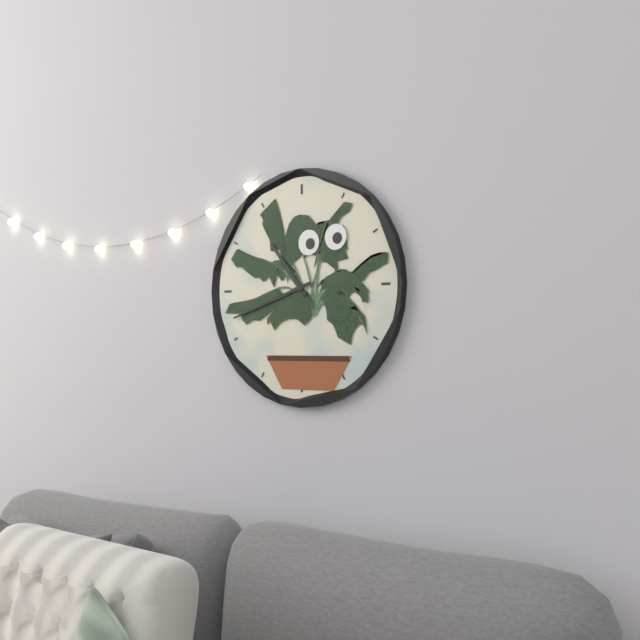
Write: 10 h 42 min
